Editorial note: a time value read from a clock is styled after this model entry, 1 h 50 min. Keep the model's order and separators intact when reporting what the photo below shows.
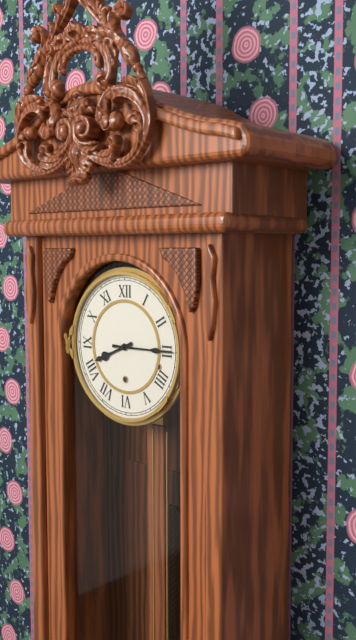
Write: 8 h 15 min
